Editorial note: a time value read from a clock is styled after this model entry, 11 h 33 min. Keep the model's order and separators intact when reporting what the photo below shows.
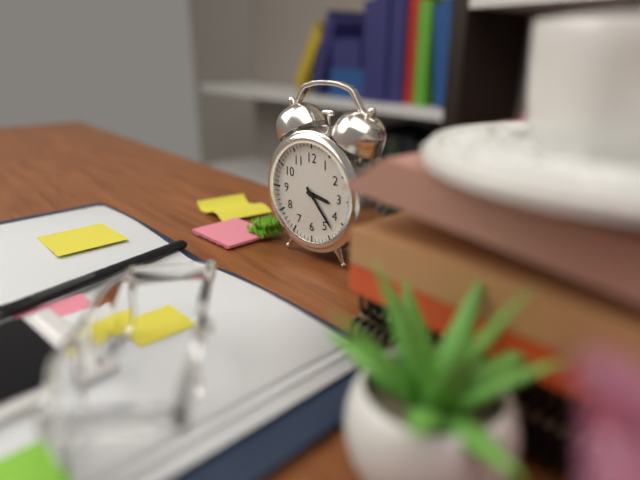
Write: 3 h 23 min
